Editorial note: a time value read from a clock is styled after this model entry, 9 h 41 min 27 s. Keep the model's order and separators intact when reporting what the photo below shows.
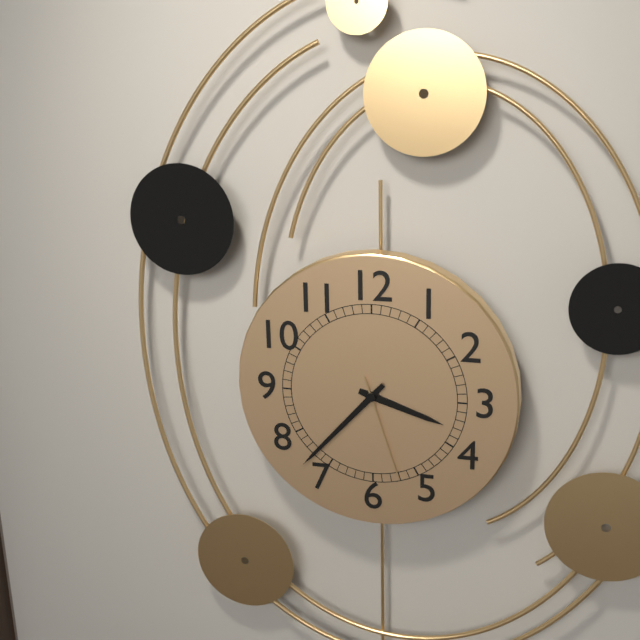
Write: 3 h 37 min 27 s
